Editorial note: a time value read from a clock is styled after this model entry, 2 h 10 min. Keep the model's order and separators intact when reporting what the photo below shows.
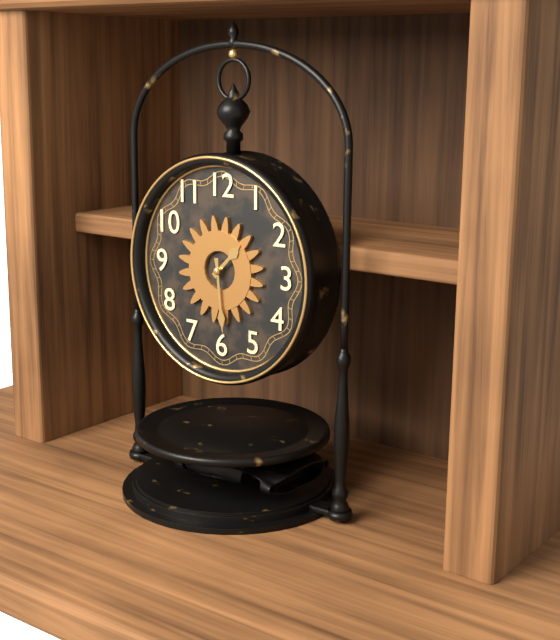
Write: 1 h 29 min
